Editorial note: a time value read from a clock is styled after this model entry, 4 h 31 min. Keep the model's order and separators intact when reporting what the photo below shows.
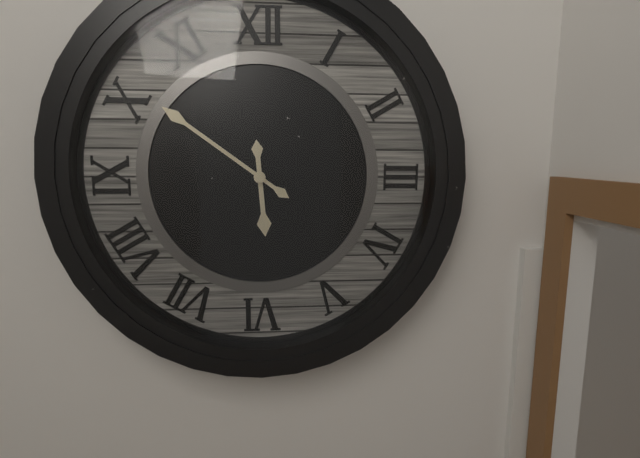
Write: 5 h 51 min
